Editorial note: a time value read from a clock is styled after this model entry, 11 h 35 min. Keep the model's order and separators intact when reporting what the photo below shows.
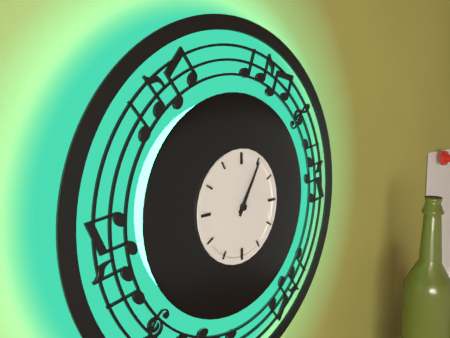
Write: 1 h 05 min
